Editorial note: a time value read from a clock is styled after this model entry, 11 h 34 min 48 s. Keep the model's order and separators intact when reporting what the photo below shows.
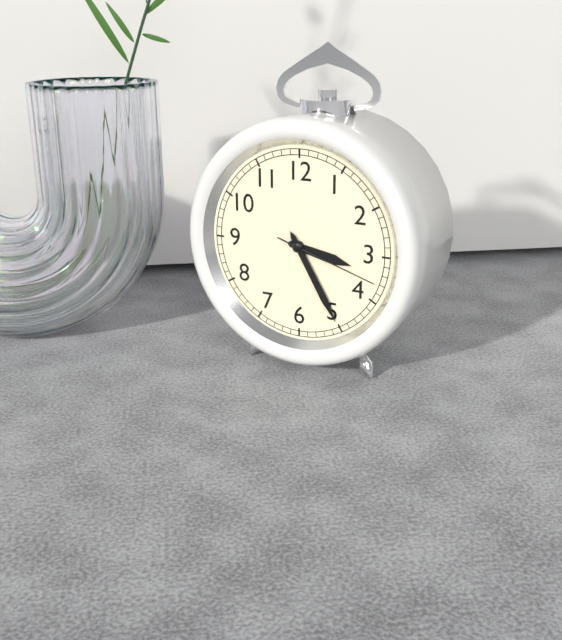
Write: 3 h 25 min 18 s
